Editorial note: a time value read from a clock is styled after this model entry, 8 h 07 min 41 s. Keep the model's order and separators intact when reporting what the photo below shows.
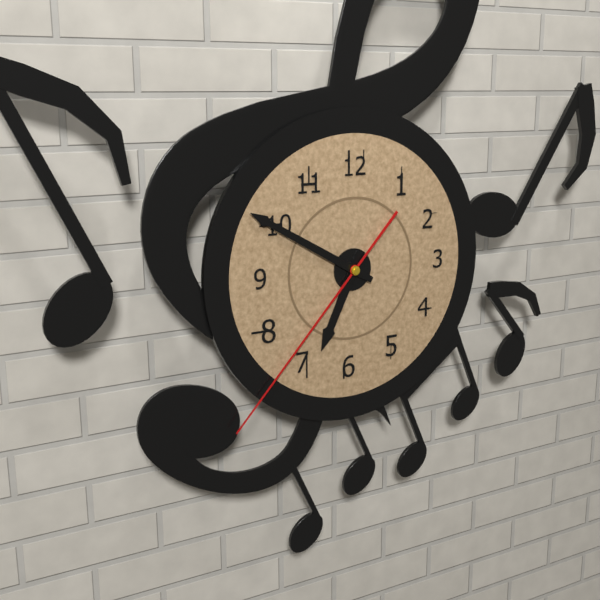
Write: 6 h 50 min 37 s
